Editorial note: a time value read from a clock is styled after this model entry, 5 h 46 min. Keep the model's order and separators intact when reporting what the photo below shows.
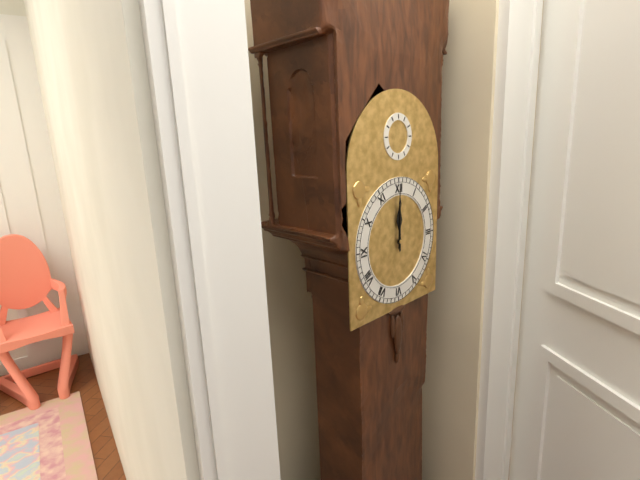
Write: 12 h 00 min
